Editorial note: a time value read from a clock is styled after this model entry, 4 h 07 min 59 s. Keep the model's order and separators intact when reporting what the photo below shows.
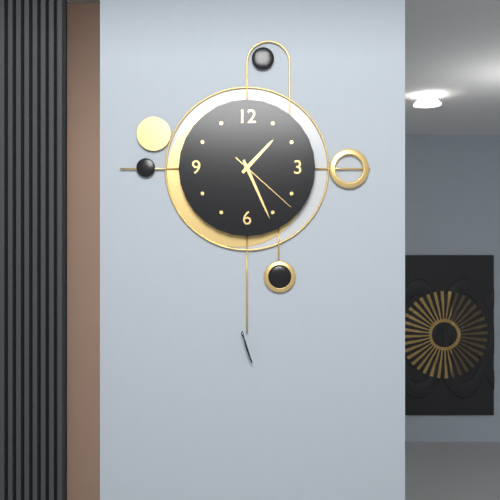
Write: 1 h 26 min 22 s
